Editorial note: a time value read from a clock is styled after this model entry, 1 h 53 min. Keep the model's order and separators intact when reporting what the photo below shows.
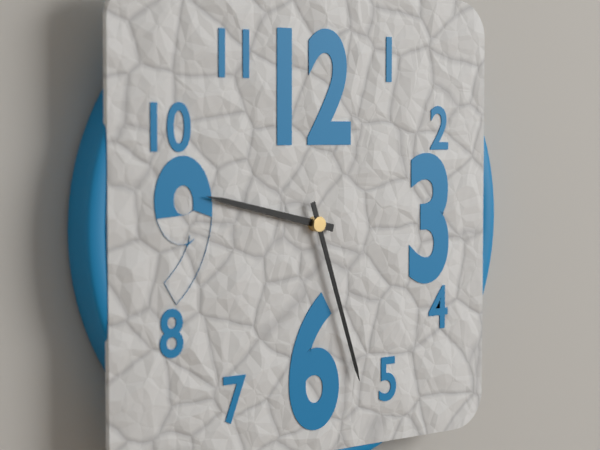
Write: 9 h 27 min
